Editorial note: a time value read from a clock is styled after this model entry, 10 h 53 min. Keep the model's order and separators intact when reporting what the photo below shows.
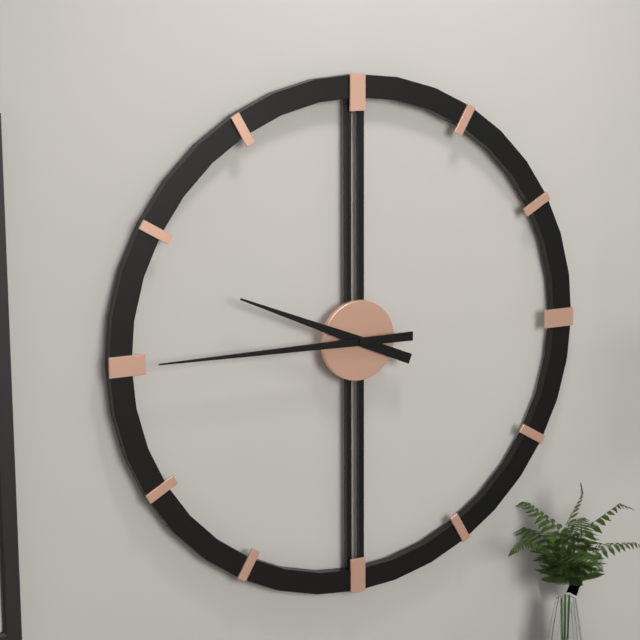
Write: 9 h 45 min
